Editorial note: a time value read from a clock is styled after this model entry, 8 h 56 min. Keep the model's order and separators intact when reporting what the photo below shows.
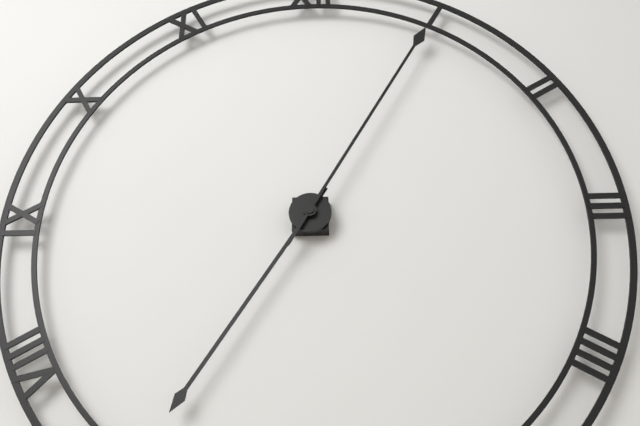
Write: 7 h 05 min
